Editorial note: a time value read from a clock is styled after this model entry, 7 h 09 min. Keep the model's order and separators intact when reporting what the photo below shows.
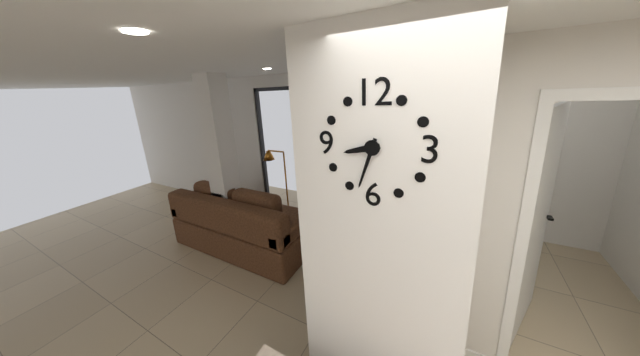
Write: 8 h 33 min
